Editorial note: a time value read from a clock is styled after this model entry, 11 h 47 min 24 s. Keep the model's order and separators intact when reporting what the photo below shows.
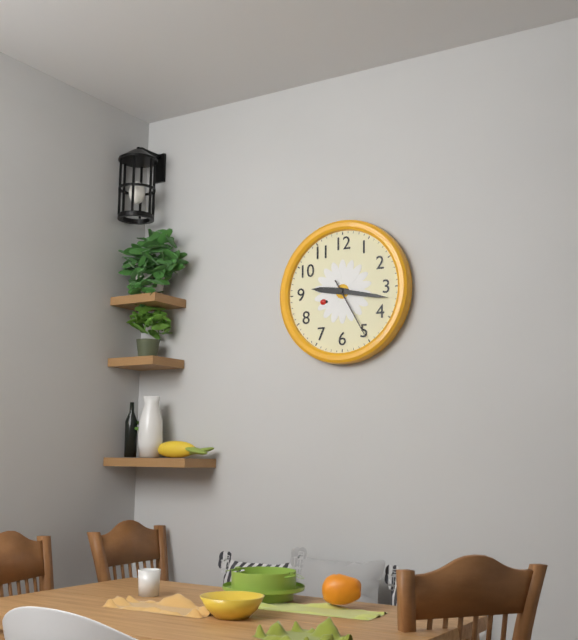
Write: 9 h 17 min 25 s
